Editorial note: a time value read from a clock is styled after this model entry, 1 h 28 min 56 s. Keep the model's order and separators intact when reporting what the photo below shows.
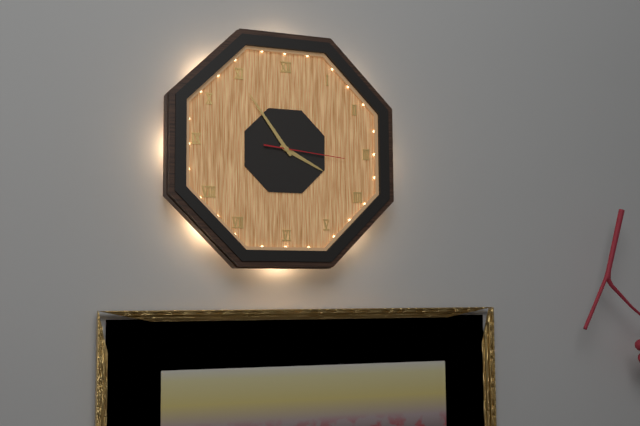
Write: 3 h 54 min 16 s
